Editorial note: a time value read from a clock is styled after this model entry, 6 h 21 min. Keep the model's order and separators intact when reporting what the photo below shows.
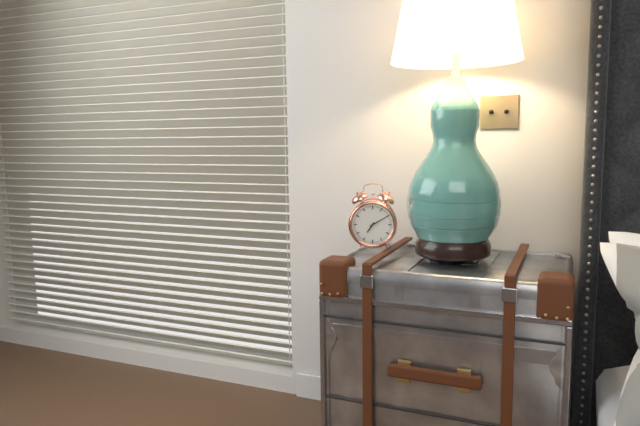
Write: 7 h 10 min
